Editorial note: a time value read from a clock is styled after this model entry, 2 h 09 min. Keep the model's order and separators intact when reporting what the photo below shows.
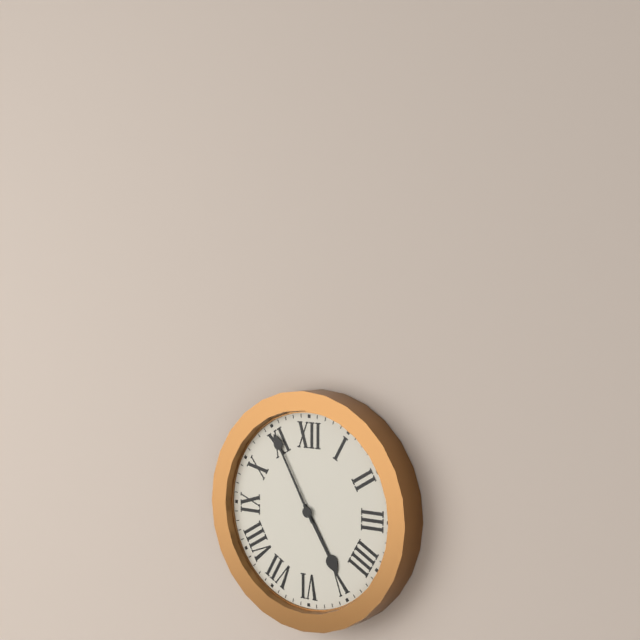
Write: 4 h 55 min
